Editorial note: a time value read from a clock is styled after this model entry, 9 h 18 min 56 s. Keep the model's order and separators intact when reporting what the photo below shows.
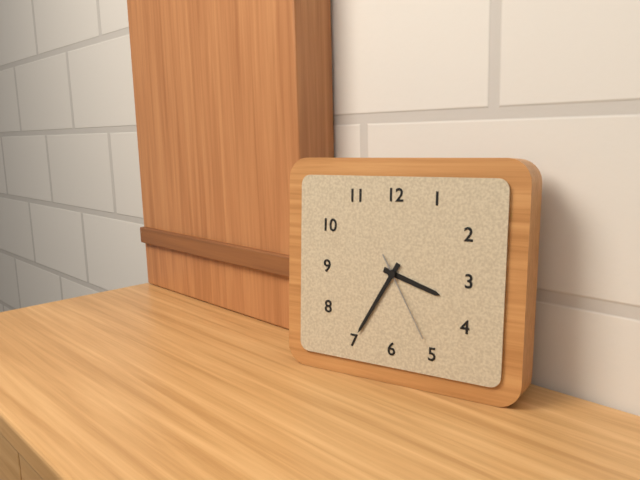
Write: 3 h 35 min 25 s
